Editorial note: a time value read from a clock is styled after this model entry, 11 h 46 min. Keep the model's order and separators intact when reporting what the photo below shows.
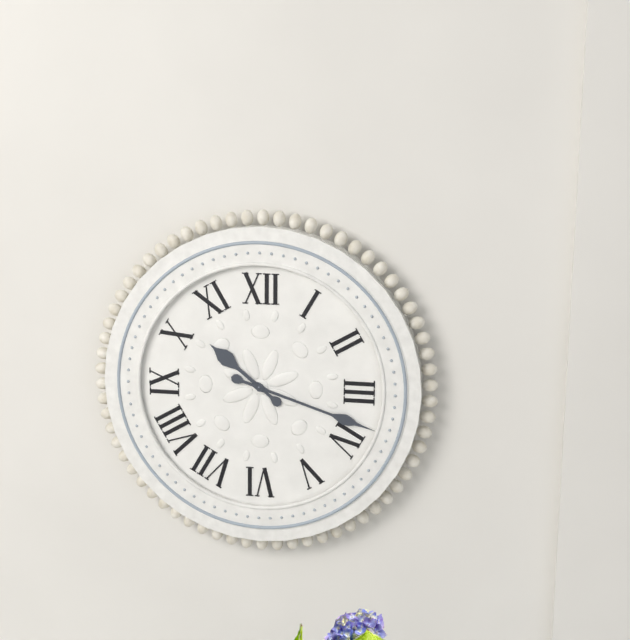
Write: 10 h 18 min
